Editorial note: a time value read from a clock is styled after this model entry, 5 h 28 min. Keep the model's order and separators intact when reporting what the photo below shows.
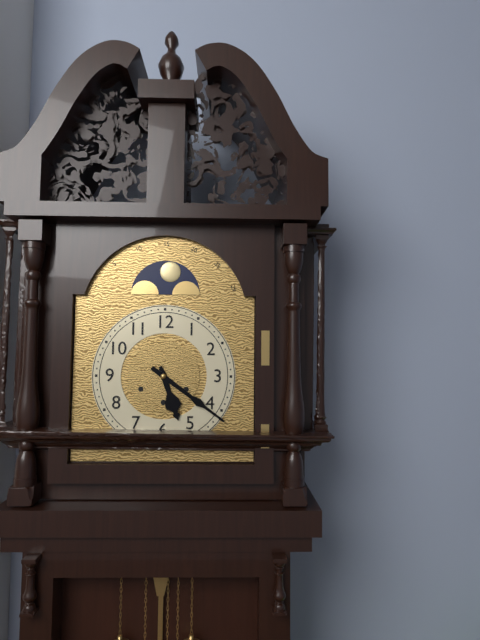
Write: 5 h 21 min
